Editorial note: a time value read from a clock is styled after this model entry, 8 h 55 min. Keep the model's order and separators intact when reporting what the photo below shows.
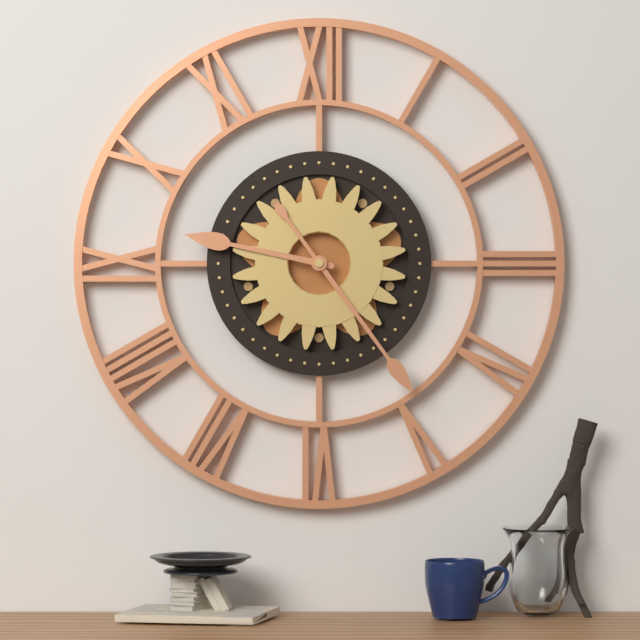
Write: 9 h 24 min
